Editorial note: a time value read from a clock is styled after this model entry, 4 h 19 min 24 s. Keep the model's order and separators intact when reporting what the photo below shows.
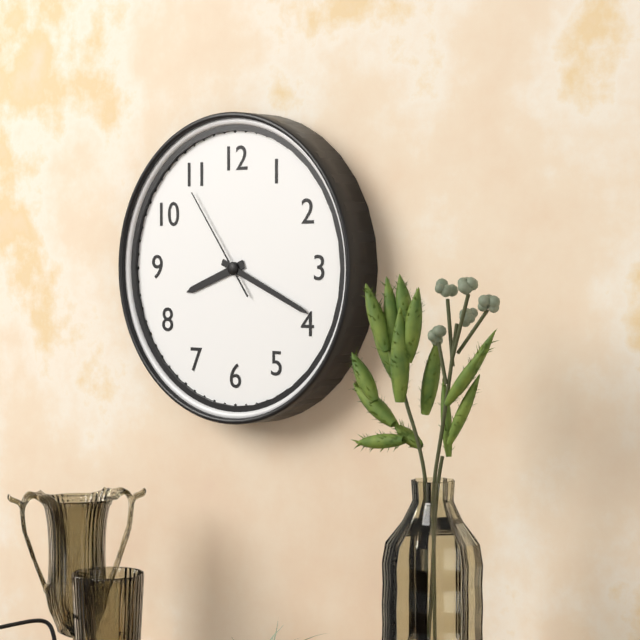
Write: 8 h 19 min 54 s
